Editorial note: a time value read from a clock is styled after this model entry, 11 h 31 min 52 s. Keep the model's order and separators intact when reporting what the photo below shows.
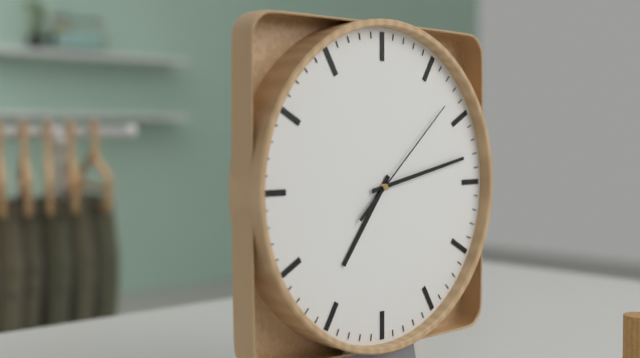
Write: 7 h 13 min 08 s
